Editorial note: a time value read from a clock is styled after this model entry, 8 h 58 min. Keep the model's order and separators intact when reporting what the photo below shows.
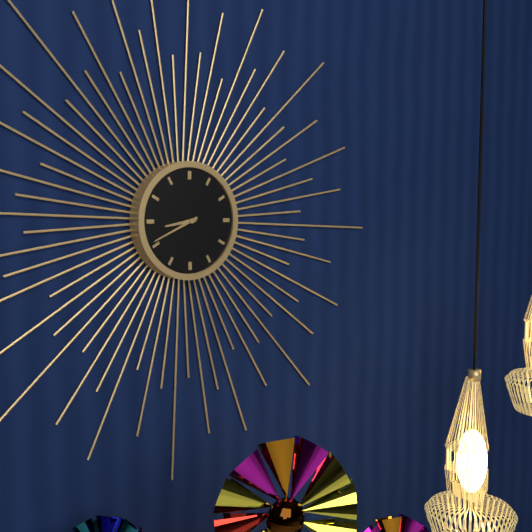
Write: 8 h 41 min
